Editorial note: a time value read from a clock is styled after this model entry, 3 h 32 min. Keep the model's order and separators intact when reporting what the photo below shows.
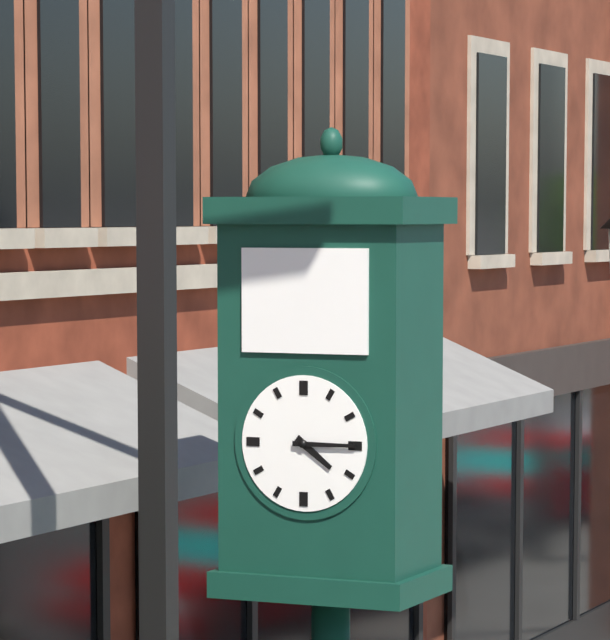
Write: 4 h 15 min
